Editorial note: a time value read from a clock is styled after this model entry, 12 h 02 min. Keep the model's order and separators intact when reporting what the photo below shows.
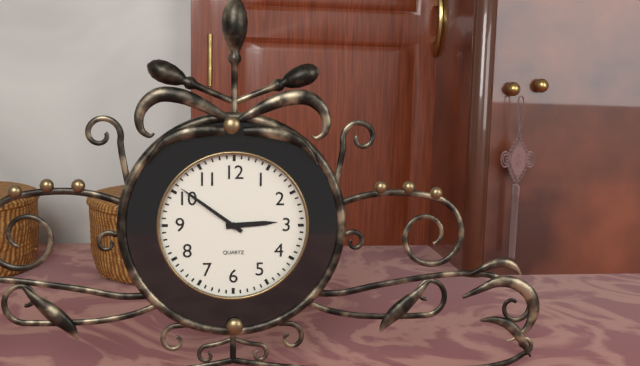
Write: 2 h 51 min
